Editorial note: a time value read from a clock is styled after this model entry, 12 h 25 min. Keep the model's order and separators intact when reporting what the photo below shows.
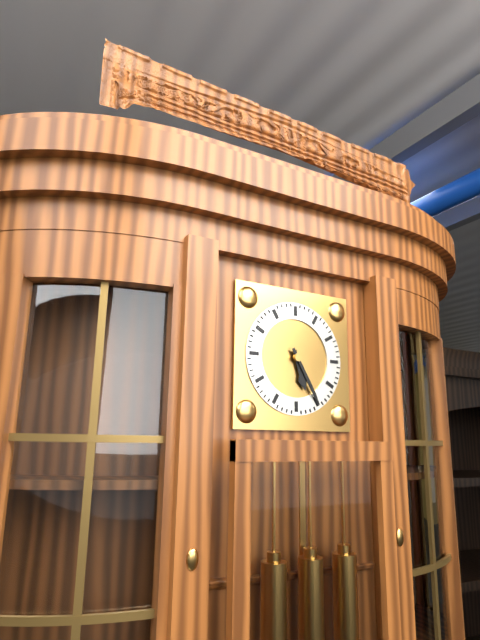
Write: 5 h 25 min
